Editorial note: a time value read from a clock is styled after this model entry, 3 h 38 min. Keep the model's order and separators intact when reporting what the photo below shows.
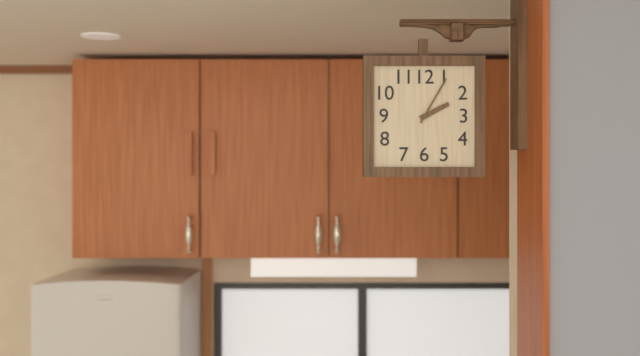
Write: 2 h 05 min
